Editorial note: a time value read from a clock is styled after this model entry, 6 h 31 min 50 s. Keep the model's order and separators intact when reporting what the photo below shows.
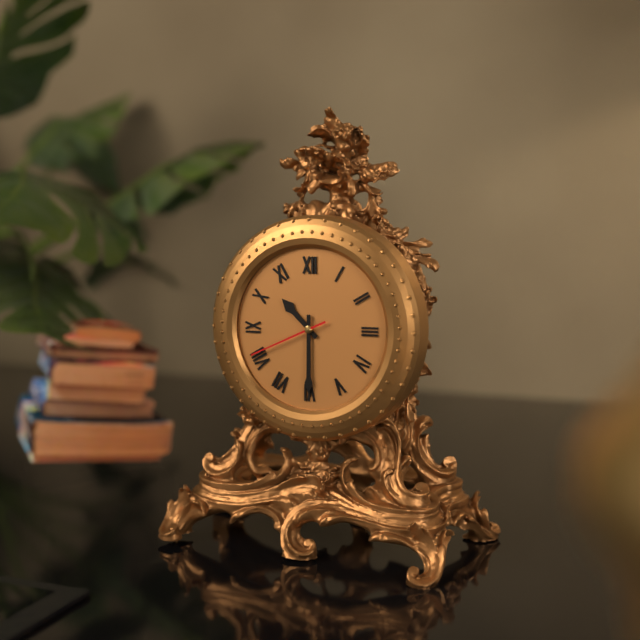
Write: 10 h 30 min 41 s
